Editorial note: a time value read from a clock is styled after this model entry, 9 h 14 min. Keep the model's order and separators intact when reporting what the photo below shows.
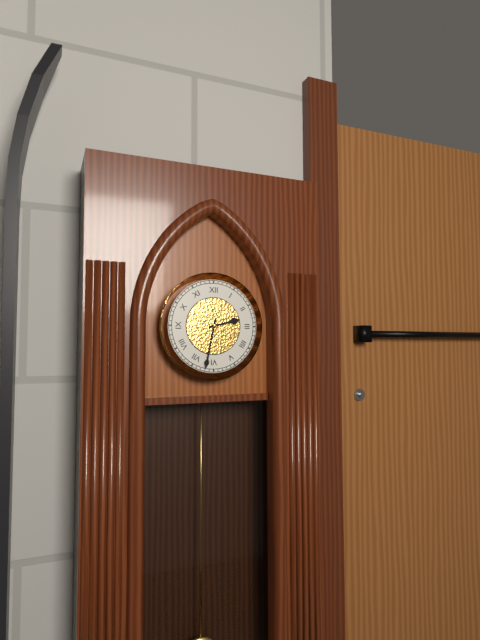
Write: 2 h 32 min
